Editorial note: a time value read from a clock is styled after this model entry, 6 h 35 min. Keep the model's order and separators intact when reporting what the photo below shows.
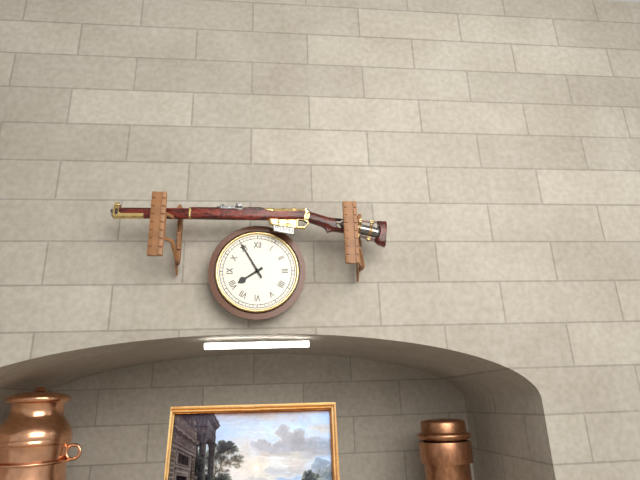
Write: 7 h 55 min
